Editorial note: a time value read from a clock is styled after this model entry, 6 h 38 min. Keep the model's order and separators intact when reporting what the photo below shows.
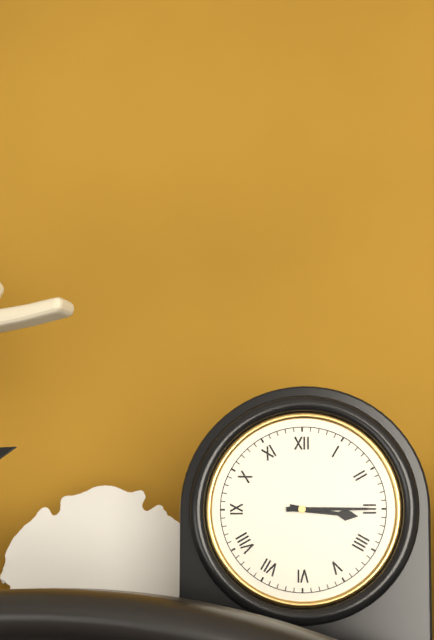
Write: 3 h 15 min
